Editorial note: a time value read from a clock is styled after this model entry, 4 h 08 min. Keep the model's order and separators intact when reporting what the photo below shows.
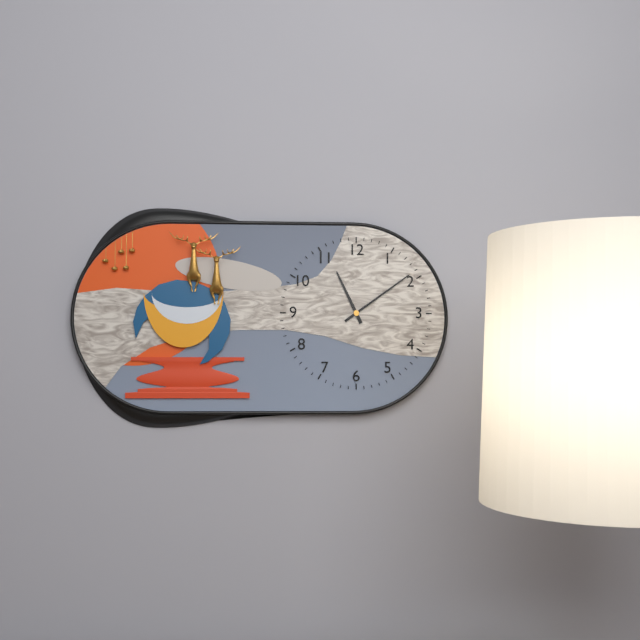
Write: 11 h 09 min
